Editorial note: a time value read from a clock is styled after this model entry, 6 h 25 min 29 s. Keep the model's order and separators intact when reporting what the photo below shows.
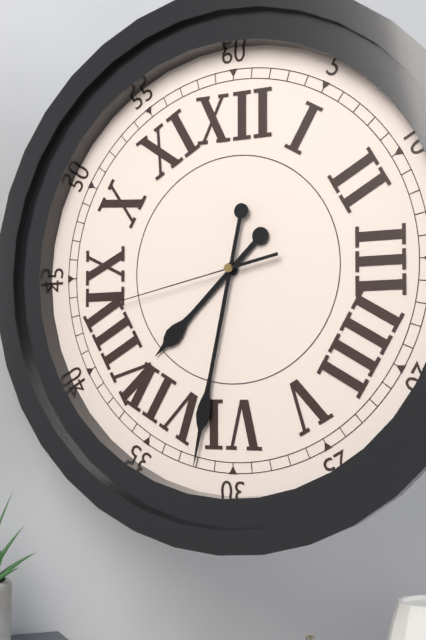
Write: 7 h 32 min 43 s
